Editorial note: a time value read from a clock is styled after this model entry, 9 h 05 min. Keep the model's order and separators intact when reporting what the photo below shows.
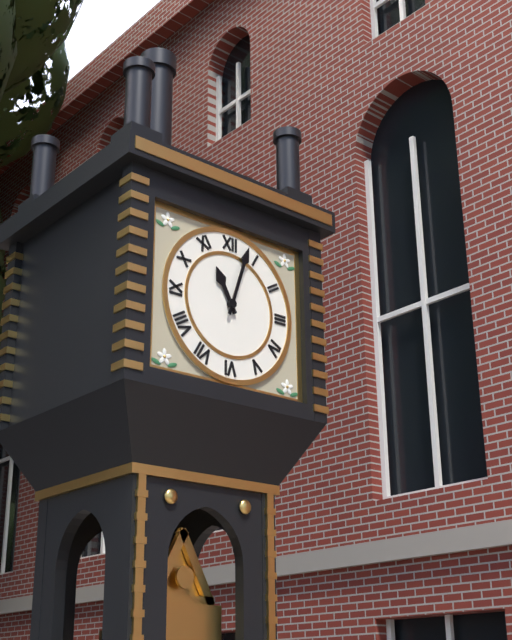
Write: 11 h 03 min
